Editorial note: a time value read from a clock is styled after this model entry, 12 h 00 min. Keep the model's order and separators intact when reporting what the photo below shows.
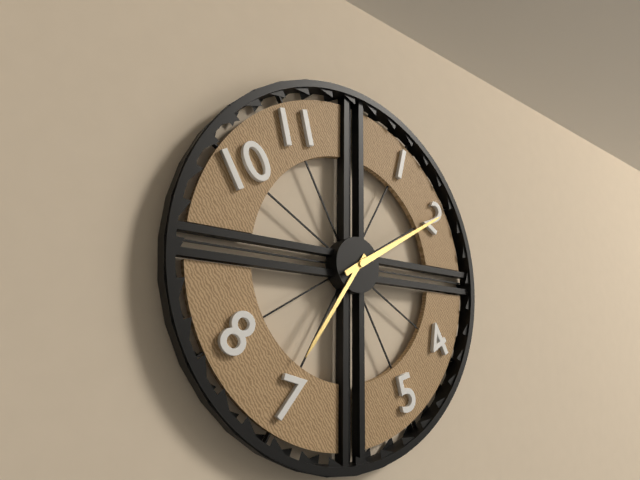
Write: 7 h 10 min
